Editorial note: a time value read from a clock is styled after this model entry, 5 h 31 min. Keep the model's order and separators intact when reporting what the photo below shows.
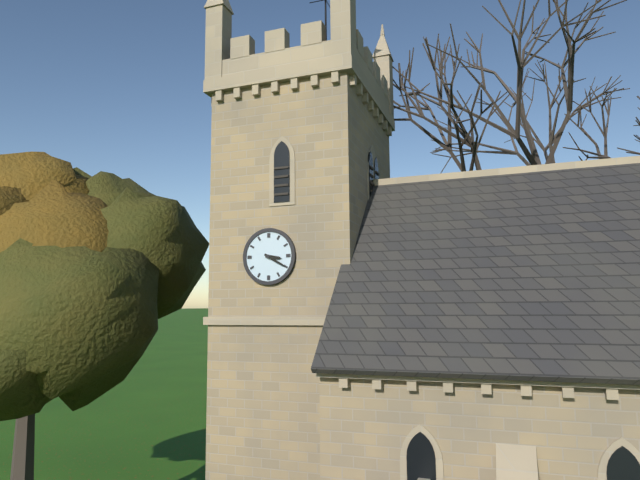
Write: 3 h 20 min
